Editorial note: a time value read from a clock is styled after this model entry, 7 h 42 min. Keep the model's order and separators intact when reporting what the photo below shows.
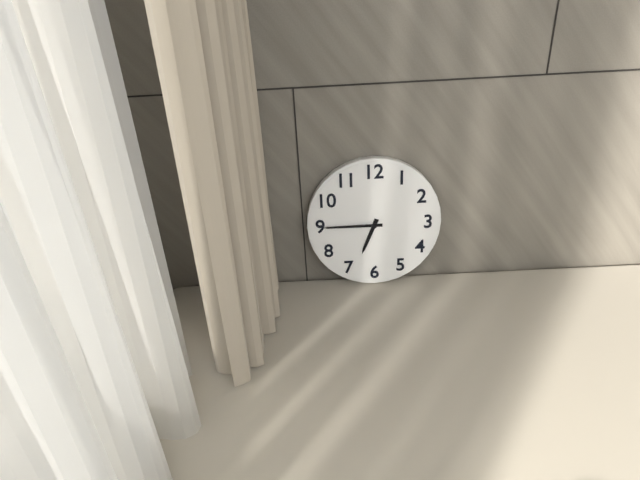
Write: 6 h 45 min
